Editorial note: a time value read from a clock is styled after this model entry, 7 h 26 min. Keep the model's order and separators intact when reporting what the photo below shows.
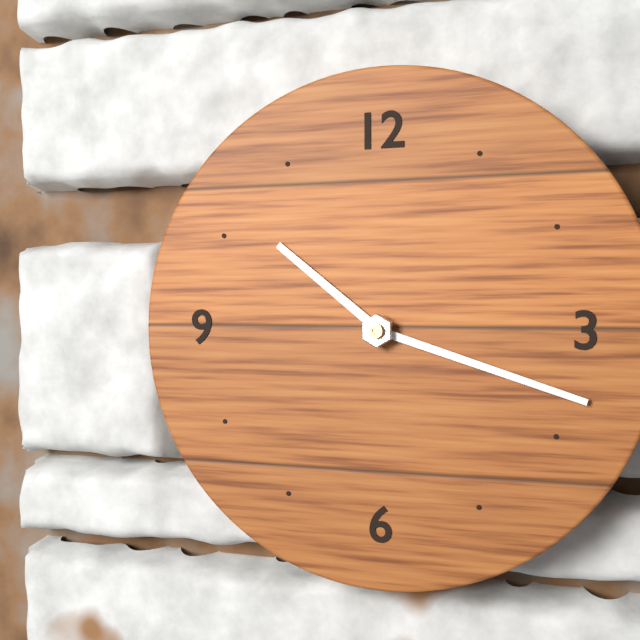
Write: 10 h 18 min
